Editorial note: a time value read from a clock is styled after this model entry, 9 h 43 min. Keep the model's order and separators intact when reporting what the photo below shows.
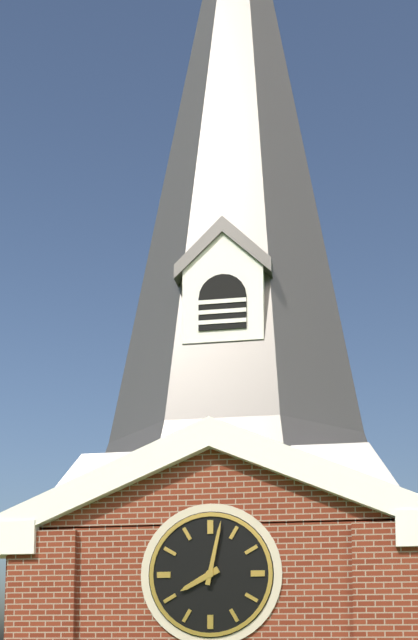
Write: 8 h 02 min
